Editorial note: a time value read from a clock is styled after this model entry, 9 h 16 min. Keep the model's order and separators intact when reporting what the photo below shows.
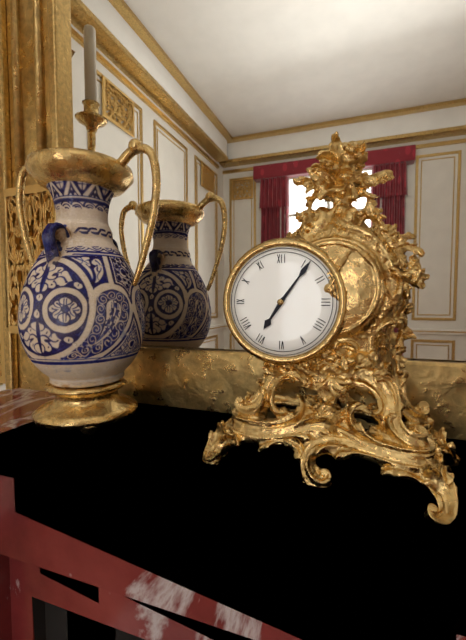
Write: 7 h 06 min
